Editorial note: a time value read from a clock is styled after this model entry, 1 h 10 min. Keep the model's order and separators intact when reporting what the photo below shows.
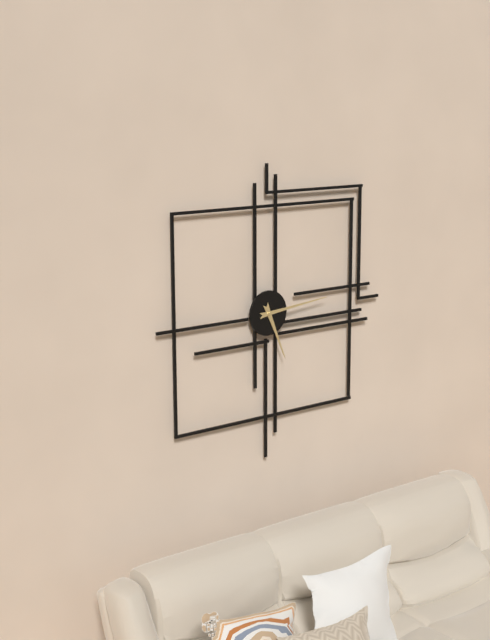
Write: 5 h 14 min
